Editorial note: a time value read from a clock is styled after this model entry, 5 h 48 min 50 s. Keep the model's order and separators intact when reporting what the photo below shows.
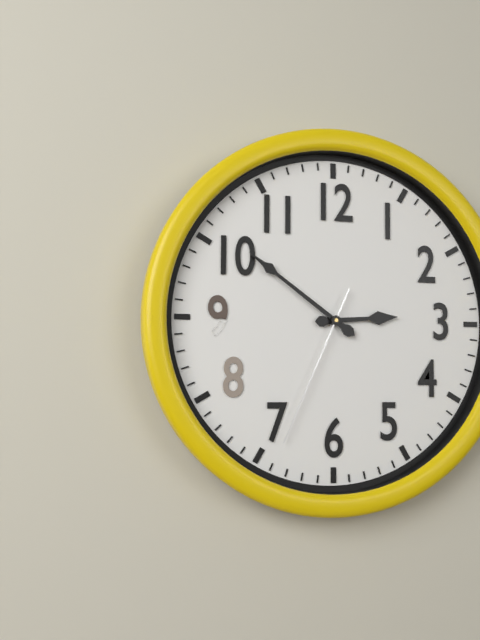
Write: 2 h 51 min 34 s
